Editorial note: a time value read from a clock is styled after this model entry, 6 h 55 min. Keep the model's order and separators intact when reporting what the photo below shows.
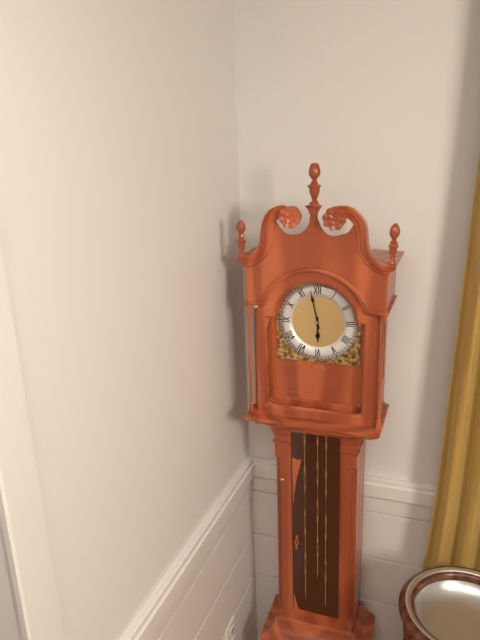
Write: 5 h 58 min
